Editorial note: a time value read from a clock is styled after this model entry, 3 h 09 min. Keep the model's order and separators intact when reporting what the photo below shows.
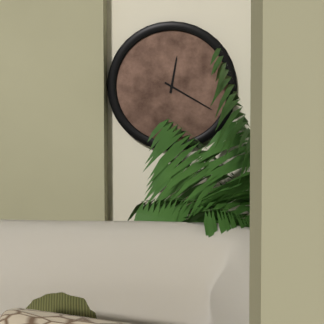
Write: 12 h 20 min
